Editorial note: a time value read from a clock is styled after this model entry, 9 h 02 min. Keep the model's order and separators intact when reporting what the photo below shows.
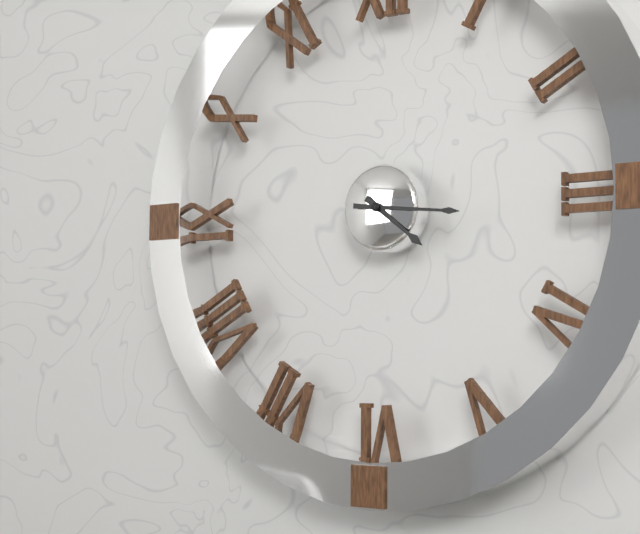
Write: 4 h 16 min
